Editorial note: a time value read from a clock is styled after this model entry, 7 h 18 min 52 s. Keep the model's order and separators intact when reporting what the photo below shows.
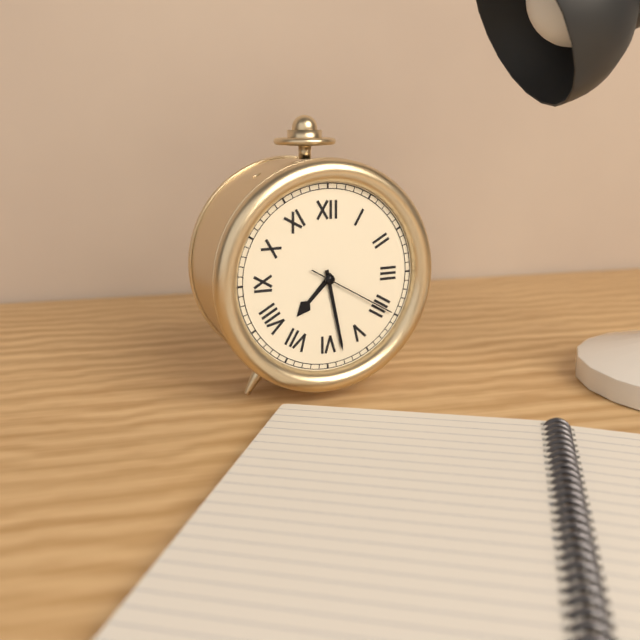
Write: 7 h 28 min 20 s
